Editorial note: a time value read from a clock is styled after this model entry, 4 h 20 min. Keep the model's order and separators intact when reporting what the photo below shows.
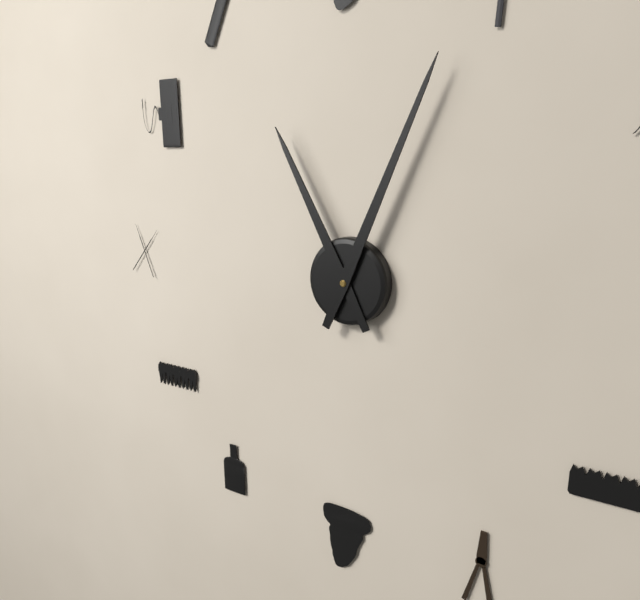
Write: 11 h 04 min
